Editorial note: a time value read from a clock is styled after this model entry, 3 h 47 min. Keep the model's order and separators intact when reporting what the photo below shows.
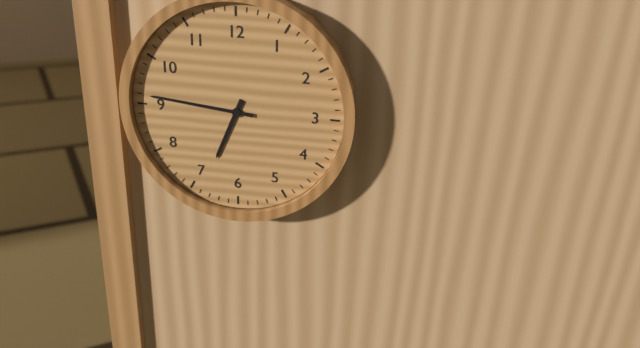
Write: 6 h 46 min
